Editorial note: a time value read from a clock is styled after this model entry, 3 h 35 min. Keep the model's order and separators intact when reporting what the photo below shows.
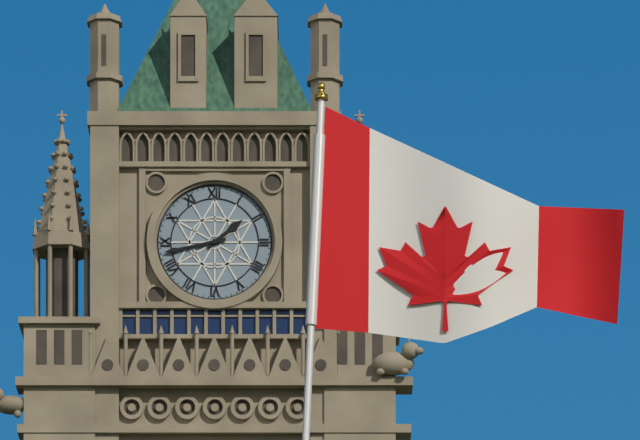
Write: 1 h 43 min
